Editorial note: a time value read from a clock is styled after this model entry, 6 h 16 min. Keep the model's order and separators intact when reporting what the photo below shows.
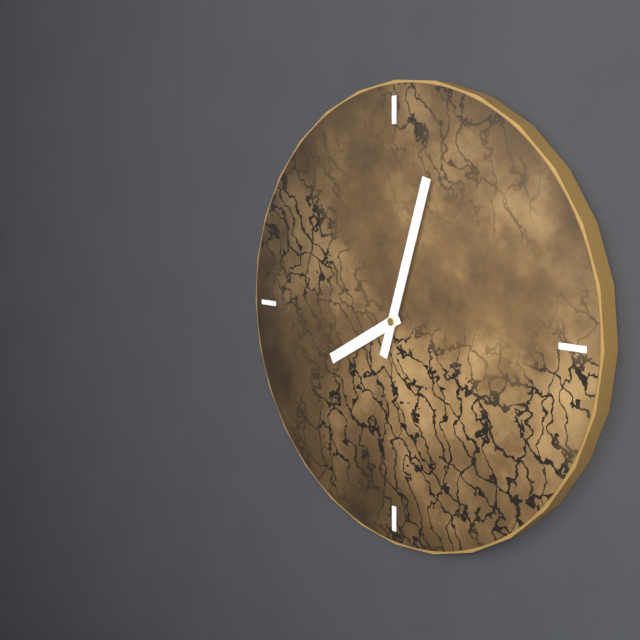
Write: 8 h 03 min
